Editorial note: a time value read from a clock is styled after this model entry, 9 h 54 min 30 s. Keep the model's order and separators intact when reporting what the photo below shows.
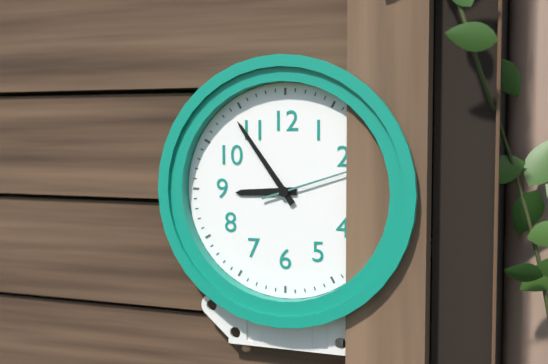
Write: 8 h 54 min 12 s
